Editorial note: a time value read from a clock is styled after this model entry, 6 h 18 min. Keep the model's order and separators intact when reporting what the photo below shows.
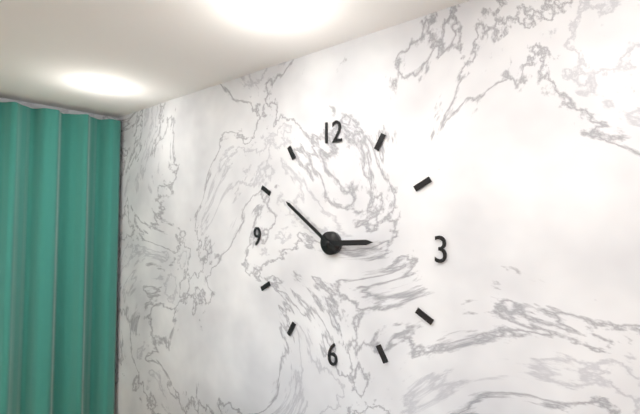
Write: 2 h 51 min
